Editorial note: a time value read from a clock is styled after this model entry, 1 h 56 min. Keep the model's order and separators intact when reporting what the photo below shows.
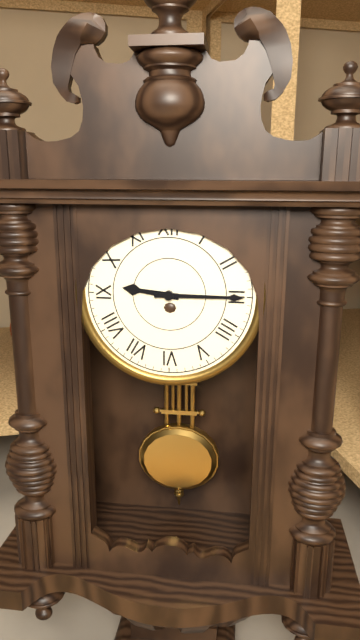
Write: 9 h 15 min
